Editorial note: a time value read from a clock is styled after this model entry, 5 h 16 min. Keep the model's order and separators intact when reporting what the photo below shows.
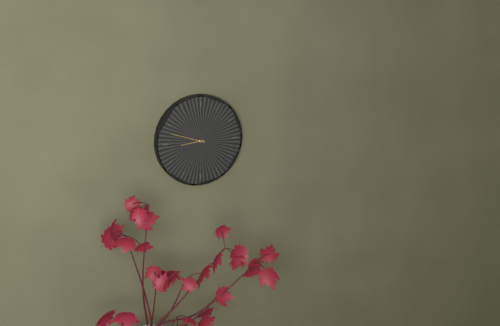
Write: 8 h 48 min
